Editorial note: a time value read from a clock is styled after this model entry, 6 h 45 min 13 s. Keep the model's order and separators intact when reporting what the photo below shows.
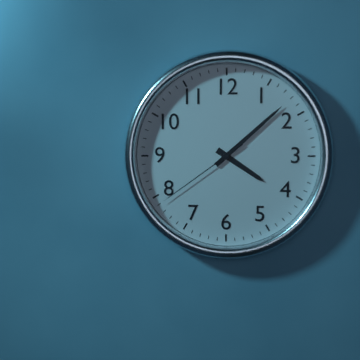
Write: 4 h 08 min 39 s
